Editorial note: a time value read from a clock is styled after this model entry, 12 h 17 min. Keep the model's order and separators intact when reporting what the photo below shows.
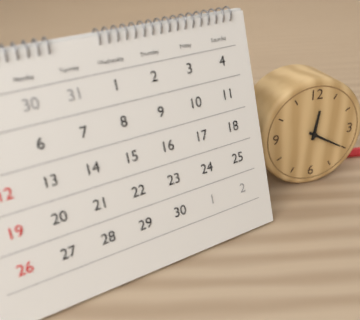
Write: 12 h 20 min
